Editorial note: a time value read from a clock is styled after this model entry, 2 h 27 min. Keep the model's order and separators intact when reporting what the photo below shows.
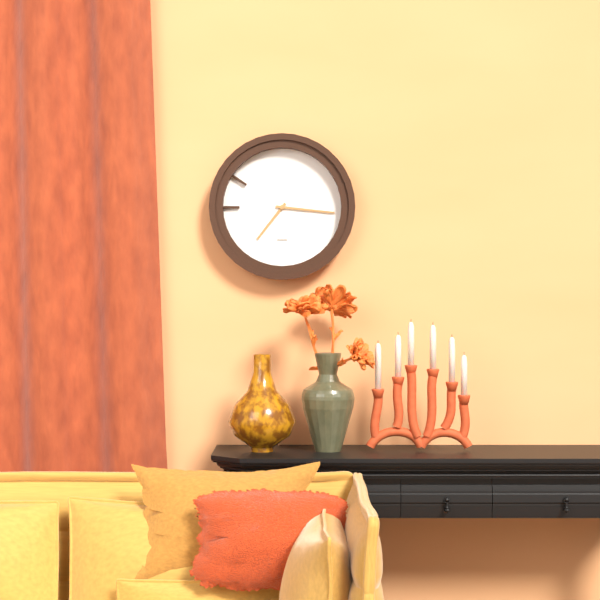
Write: 7 h 16 min
